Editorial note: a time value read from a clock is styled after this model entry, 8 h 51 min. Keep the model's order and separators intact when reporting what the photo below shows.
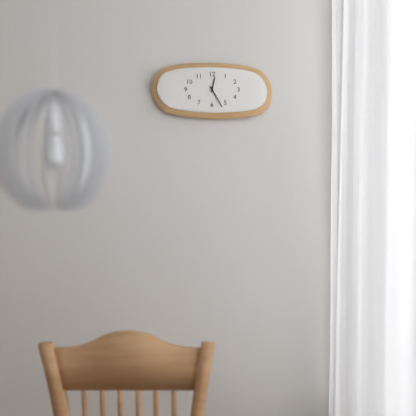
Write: 12 h 25 min
